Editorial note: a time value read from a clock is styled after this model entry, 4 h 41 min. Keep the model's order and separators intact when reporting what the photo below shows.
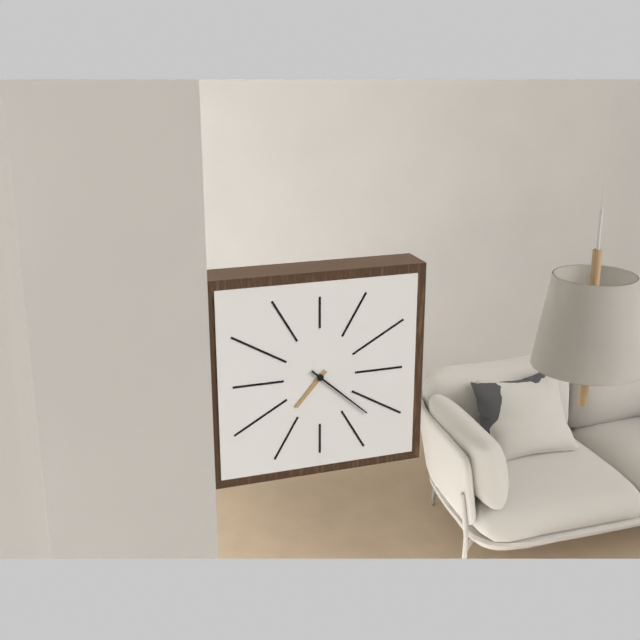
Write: 7 h 22 min
